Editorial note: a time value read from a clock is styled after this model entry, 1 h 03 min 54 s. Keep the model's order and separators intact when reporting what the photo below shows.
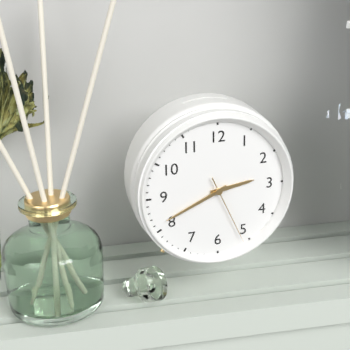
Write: 2 h 41 min 26 s
